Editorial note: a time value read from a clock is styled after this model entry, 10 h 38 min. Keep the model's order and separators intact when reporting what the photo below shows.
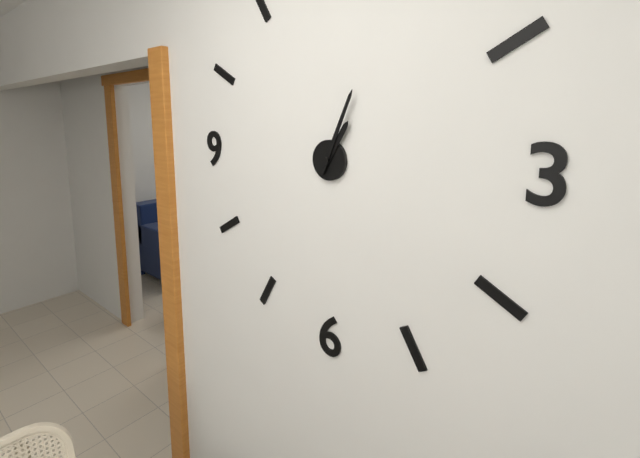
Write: 1 h 04 min
